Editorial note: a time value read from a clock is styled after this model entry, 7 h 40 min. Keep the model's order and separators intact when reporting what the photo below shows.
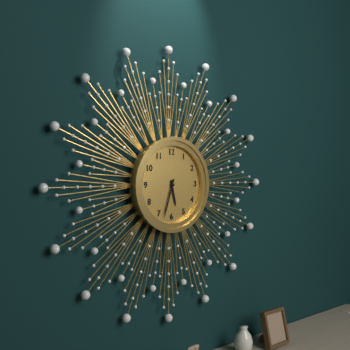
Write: 5 h 33 min
